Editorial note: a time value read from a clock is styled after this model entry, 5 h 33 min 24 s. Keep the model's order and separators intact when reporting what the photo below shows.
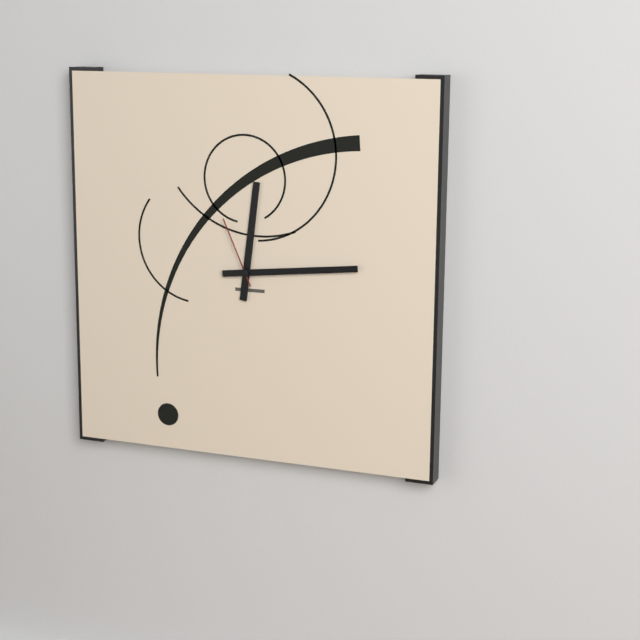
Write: 12 h 14 min 56 s
